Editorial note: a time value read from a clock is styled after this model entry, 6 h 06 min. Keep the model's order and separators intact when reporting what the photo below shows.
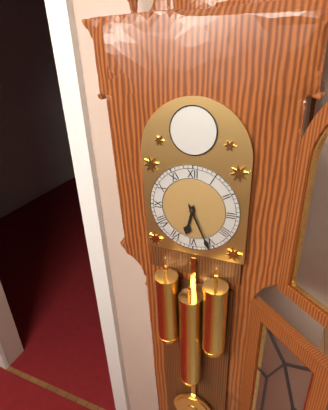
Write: 6 h 26 min
